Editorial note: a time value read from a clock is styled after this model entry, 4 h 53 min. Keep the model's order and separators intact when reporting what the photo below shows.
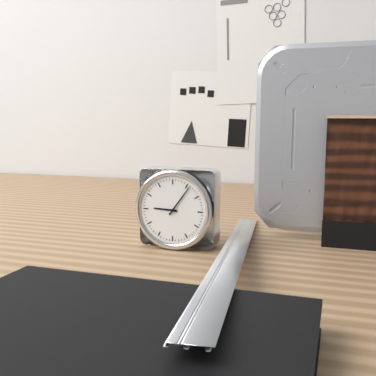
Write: 9 h 06 min
